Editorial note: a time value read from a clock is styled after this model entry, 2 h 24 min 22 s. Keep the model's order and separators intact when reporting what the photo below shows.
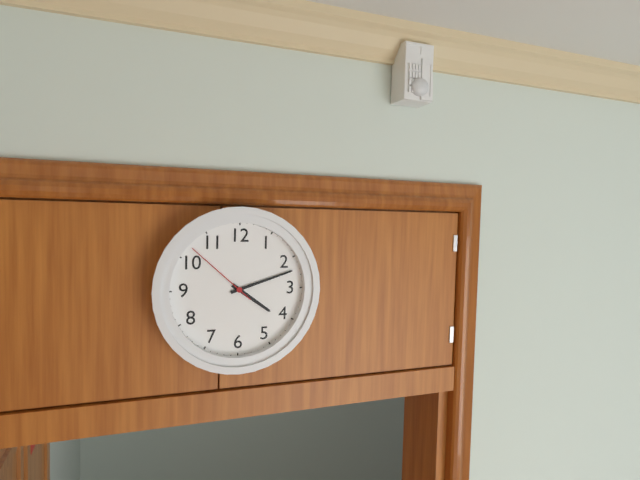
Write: 4 h 12 min 52 s
